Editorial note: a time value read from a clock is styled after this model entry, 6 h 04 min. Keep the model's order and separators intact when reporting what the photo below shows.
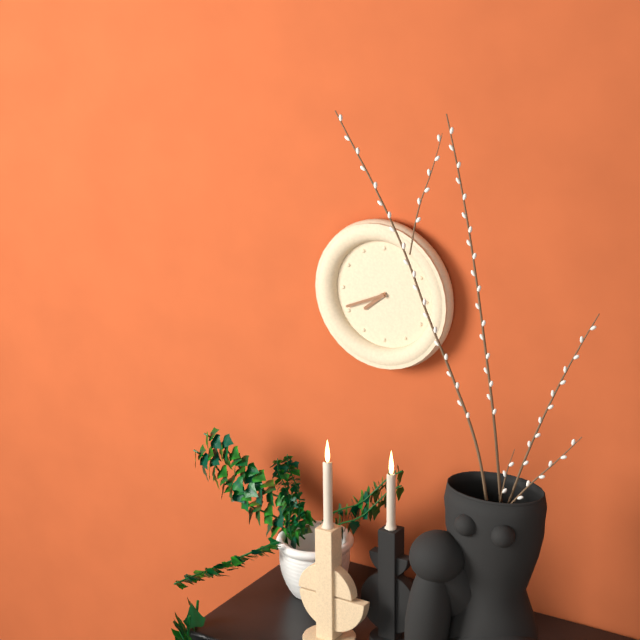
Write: 7 h 41 min
